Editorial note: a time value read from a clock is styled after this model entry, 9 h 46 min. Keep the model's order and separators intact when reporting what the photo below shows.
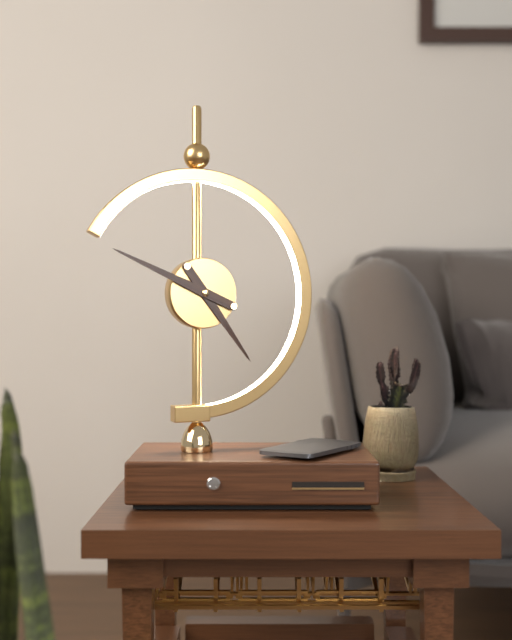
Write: 4 h 49 min
